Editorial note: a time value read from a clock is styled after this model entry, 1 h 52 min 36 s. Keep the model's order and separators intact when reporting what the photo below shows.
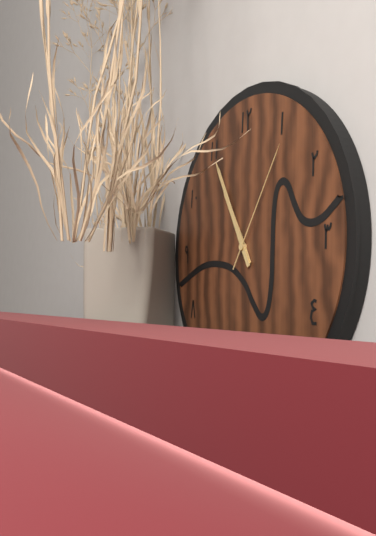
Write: 10 h 55 min 06 s
